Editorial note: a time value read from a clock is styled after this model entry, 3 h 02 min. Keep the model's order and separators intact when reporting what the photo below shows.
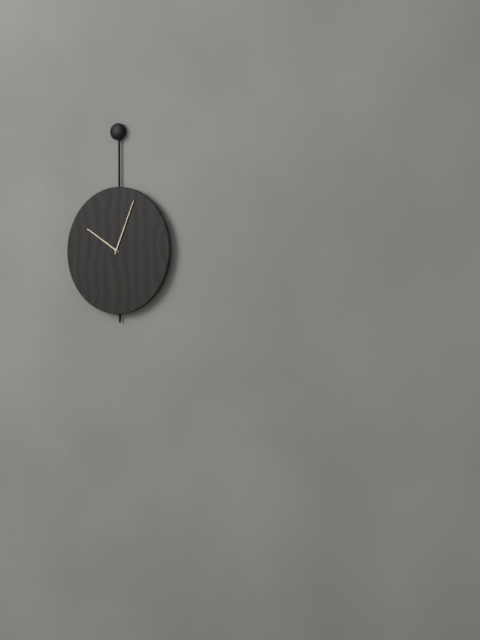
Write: 10 h 04 min
